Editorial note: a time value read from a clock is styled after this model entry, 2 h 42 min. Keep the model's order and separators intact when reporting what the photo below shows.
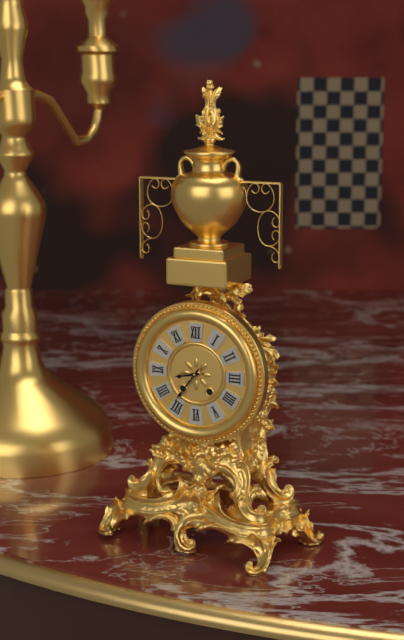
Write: 8 h 36 min
